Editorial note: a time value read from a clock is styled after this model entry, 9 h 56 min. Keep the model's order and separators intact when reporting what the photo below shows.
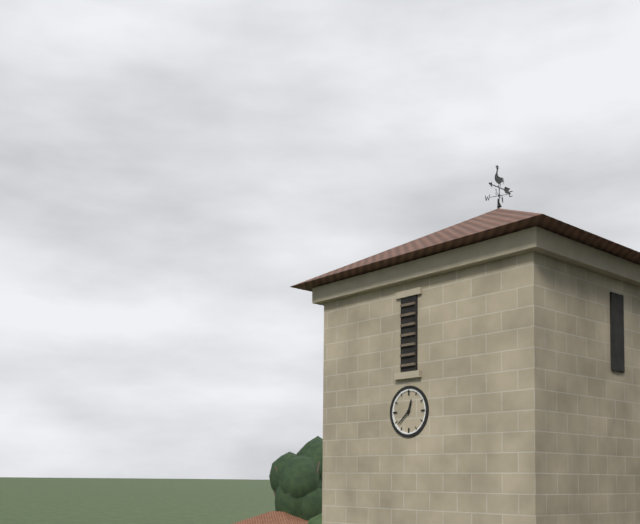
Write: 12 h 38 min
